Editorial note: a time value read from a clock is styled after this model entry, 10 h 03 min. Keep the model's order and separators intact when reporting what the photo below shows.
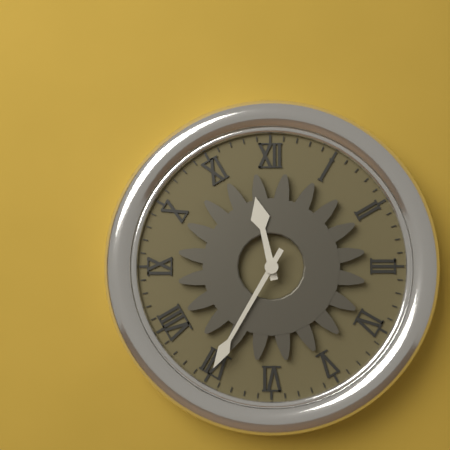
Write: 11 h 35 min
